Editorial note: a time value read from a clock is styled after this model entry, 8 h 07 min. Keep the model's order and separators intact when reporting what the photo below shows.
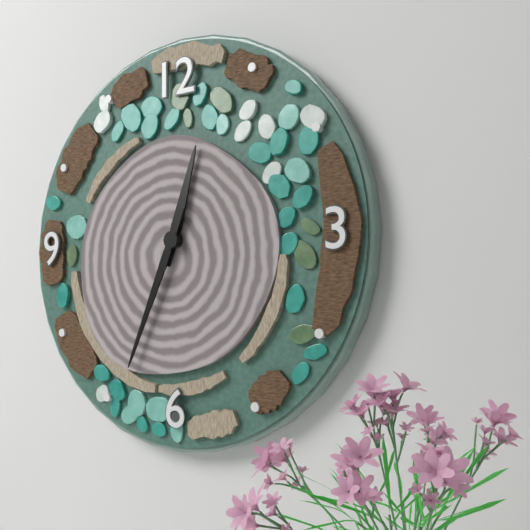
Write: 12 h 34 min
